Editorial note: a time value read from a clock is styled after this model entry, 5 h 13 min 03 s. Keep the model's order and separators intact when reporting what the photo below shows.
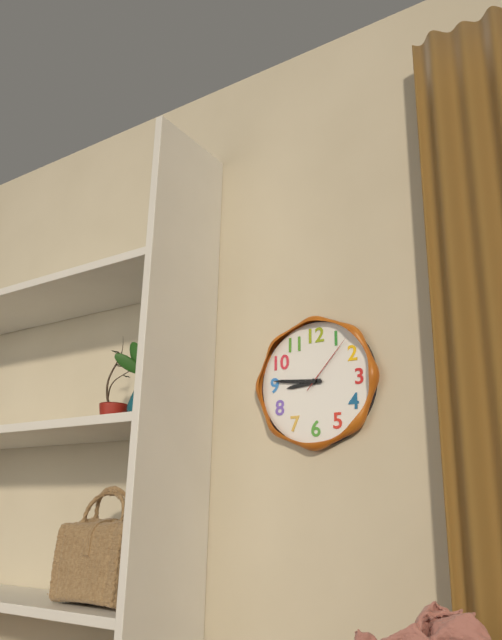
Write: 8 h 46 min 07 s
